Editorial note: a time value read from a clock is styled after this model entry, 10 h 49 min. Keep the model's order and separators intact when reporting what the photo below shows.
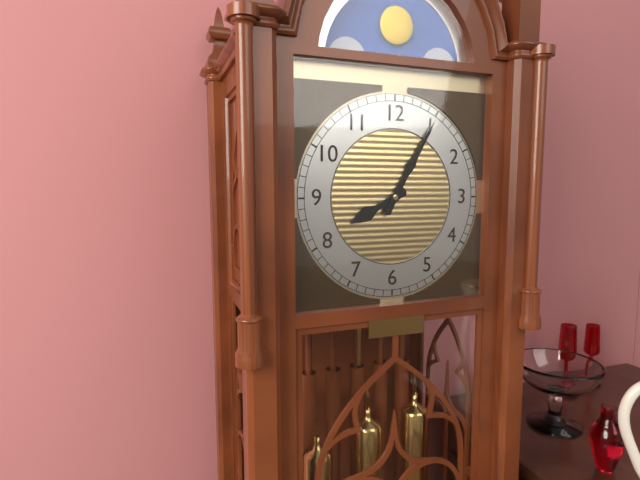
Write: 8 h 05 min
